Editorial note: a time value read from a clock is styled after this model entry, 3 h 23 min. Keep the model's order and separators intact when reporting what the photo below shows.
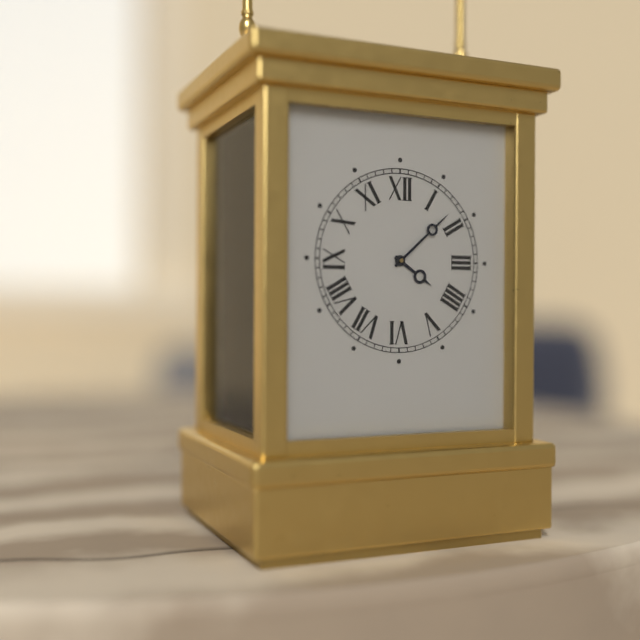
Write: 4 h 08 min
